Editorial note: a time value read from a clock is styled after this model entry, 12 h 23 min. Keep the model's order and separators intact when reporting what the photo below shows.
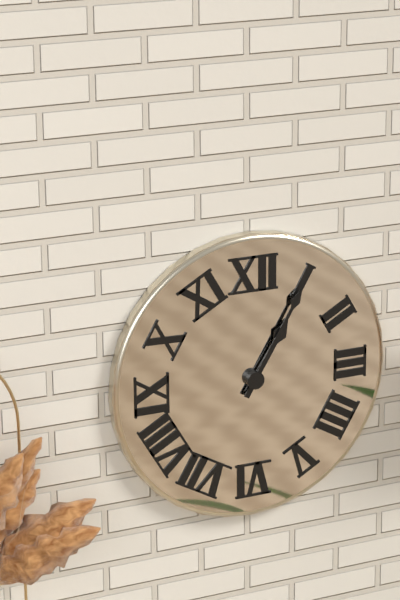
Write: 1 h 05 min
